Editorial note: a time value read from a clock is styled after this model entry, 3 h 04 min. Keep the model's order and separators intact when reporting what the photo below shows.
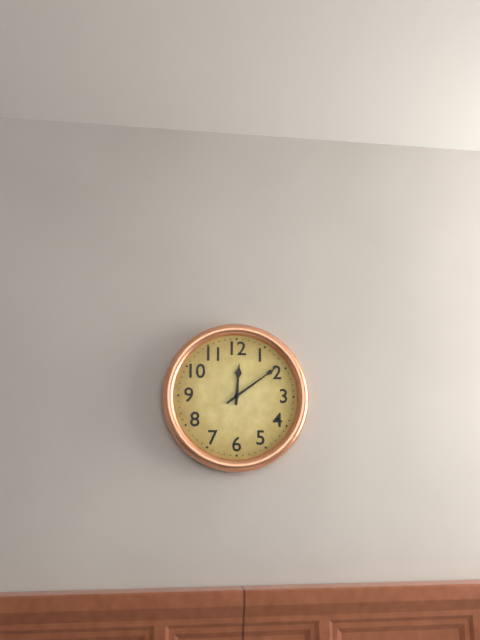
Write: 12 h 09 min
